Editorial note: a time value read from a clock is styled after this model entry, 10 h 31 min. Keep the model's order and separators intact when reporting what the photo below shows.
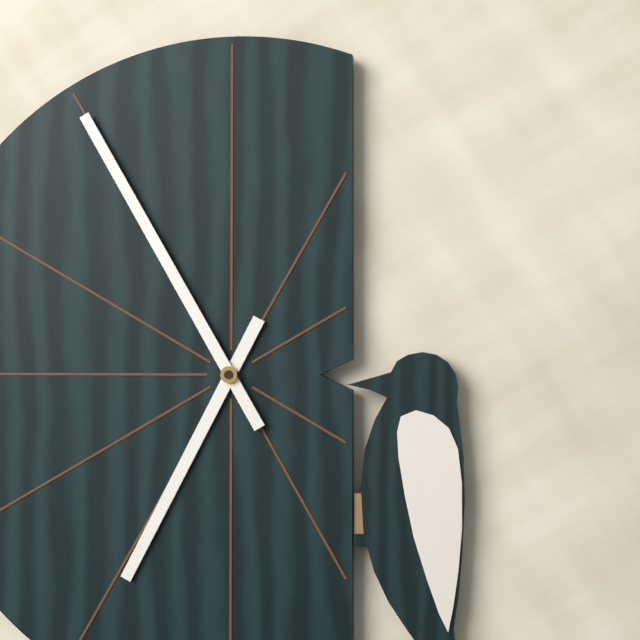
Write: 6 h 55 min
